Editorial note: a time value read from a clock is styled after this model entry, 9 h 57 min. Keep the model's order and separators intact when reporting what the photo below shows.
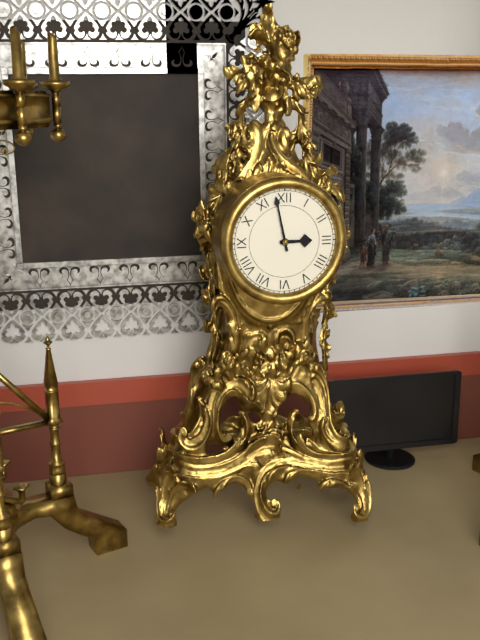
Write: 2 h 58 min
